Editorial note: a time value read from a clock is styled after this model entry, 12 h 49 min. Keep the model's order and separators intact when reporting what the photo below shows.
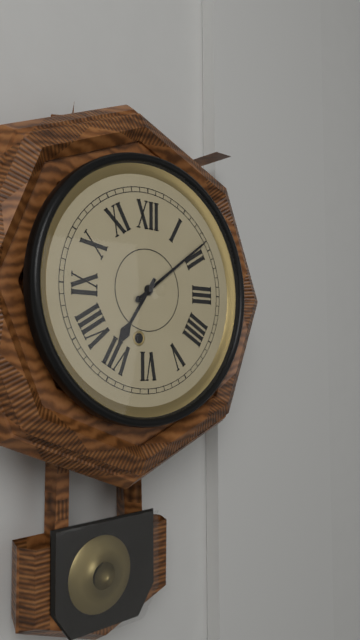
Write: 7 h 09 min
